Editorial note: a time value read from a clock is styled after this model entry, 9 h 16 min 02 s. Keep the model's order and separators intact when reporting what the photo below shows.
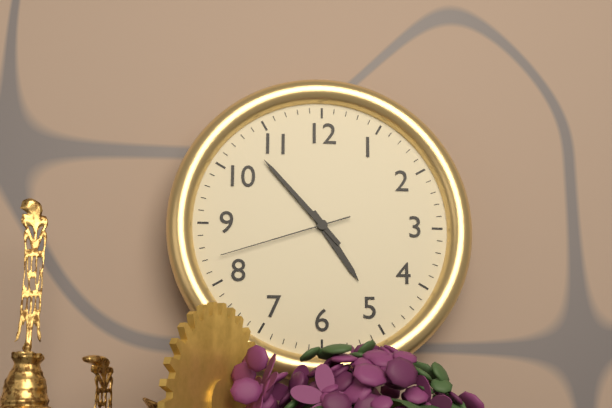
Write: 4 h 53 min 42 s
